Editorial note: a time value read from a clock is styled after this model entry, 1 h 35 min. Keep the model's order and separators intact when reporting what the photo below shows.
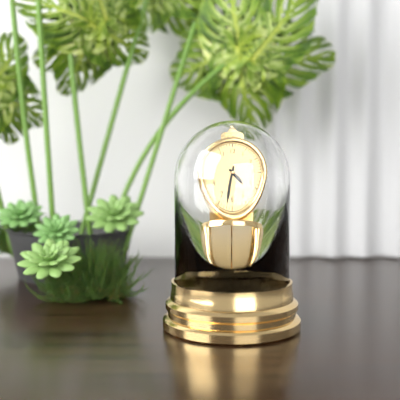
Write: 4 h 32 min
